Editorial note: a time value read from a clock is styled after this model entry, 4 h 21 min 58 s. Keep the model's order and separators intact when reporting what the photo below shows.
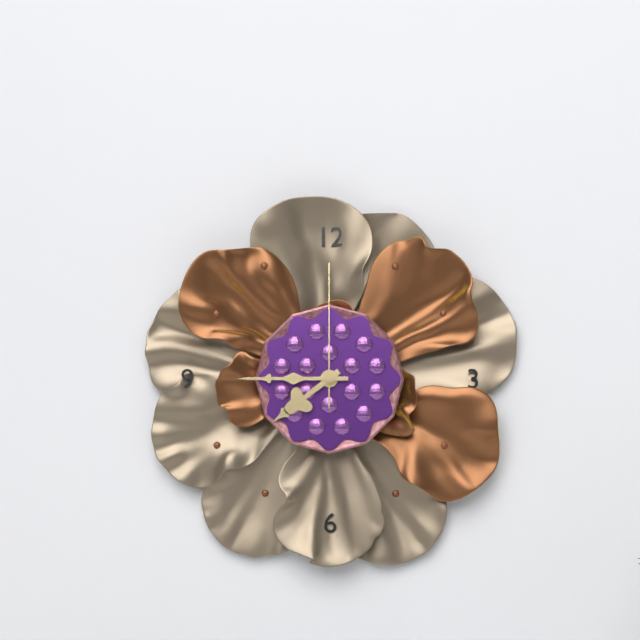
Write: 7 h 45 min 00 s
